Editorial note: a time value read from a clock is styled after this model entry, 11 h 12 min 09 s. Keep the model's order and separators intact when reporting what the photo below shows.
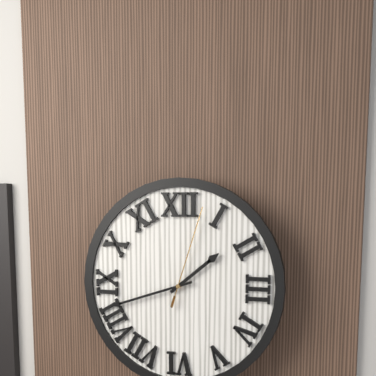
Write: 1 h 42 min 03 s
